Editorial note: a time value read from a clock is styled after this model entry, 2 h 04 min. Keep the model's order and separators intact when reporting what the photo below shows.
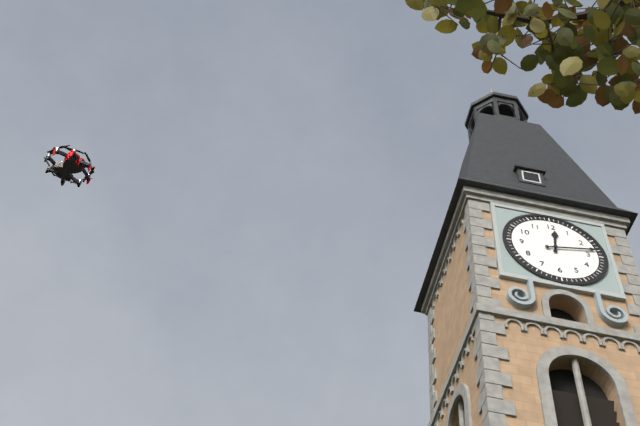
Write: 12 h 13 min
